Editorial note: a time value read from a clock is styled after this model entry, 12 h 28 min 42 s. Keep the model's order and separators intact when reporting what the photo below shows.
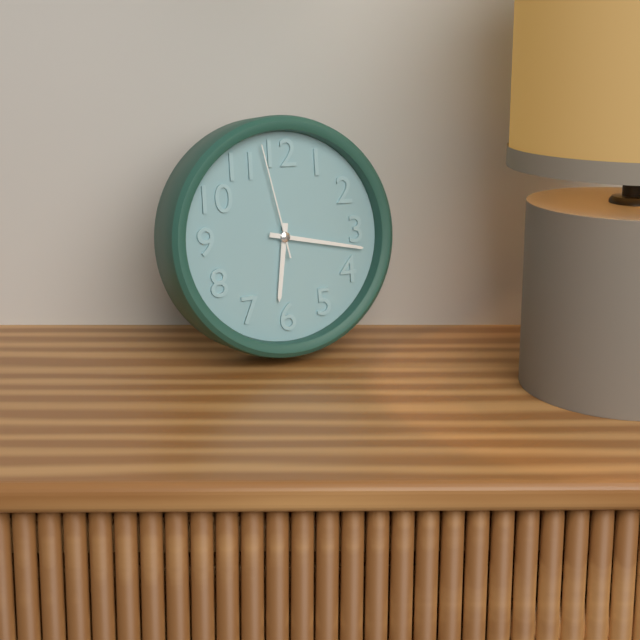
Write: 6 h 17 min 58 s
